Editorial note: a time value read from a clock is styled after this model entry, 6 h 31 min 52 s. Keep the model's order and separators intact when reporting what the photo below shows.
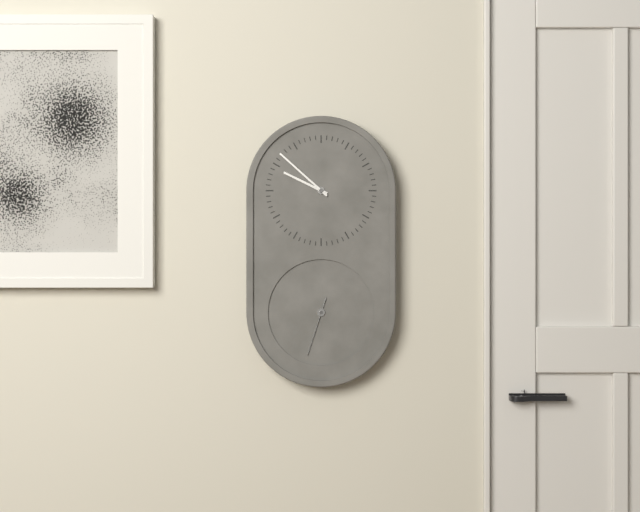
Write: 9 h 52 min 33 s
